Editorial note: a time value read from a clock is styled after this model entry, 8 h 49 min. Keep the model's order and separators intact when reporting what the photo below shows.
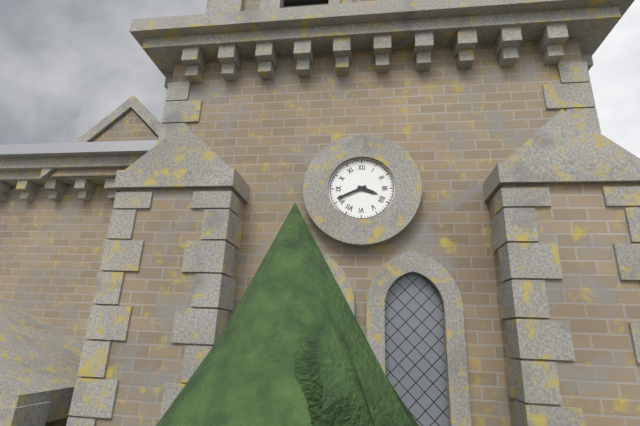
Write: 3 h 41 min
